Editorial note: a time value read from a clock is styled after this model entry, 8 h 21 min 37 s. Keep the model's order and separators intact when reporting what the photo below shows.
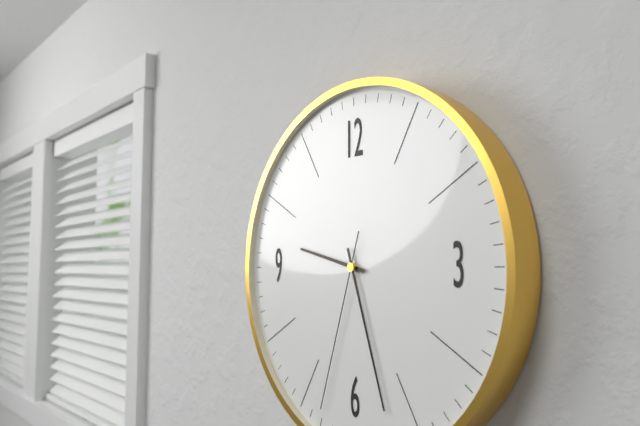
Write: 9 h 27 min 33 s
